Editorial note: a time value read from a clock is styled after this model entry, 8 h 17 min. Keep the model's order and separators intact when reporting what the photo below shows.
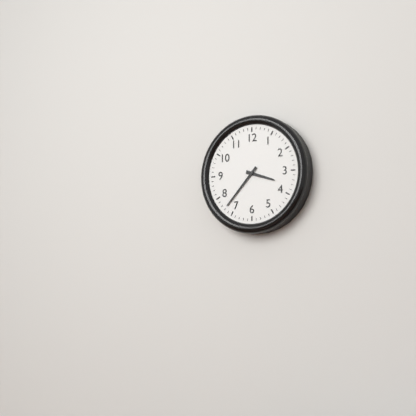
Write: 3 h 37 min
